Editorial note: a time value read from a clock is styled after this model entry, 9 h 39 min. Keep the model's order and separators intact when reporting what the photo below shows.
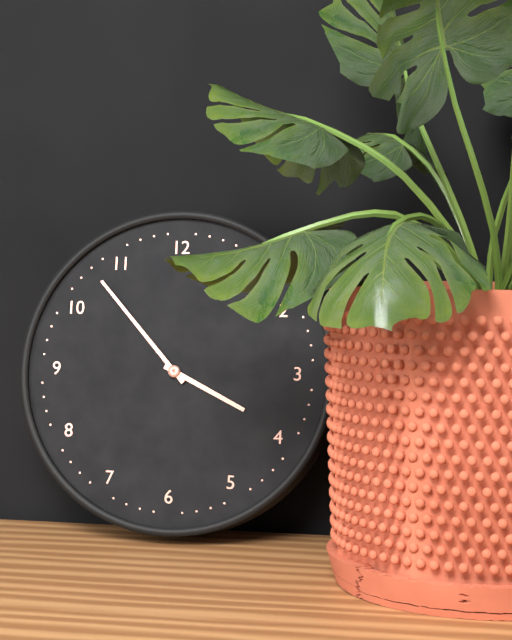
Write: 3 h 53 min
